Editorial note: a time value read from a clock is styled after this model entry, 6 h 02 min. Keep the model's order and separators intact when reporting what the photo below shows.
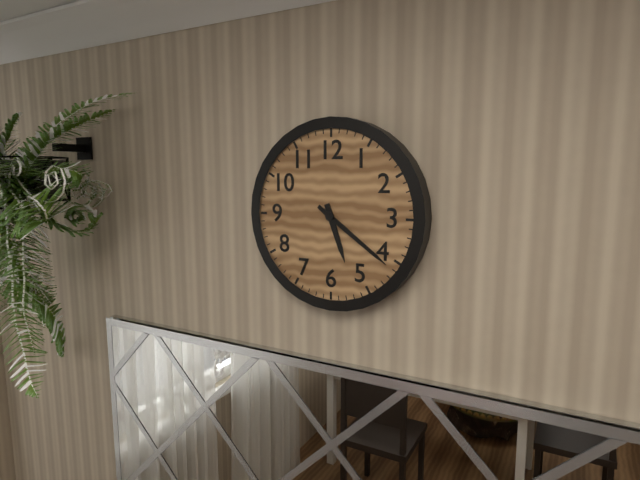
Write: 5 h 21 min
